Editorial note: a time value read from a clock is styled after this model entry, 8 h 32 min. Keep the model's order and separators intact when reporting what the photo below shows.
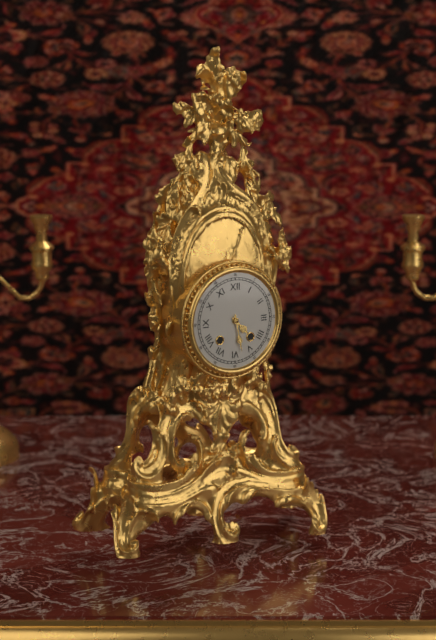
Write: 4 h 28 min
